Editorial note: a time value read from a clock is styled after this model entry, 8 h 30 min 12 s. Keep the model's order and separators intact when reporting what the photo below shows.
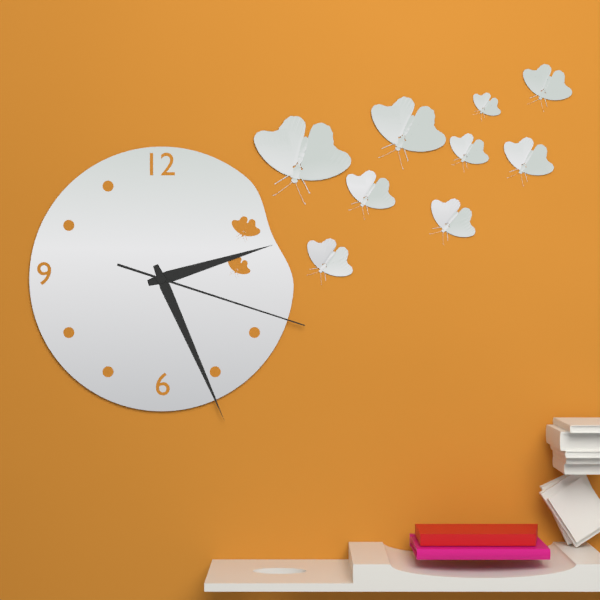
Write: 2 h 26 min 18 s
